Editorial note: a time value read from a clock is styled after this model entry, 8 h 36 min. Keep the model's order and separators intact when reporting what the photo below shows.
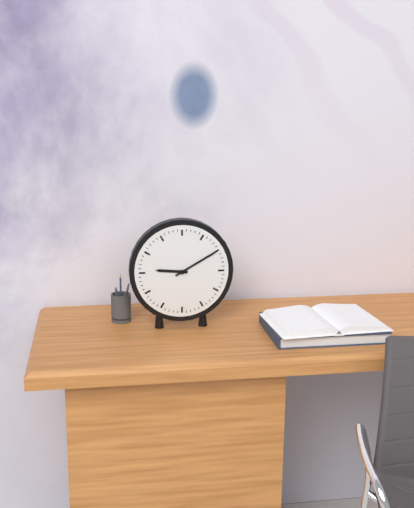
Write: 9 h 10 min
